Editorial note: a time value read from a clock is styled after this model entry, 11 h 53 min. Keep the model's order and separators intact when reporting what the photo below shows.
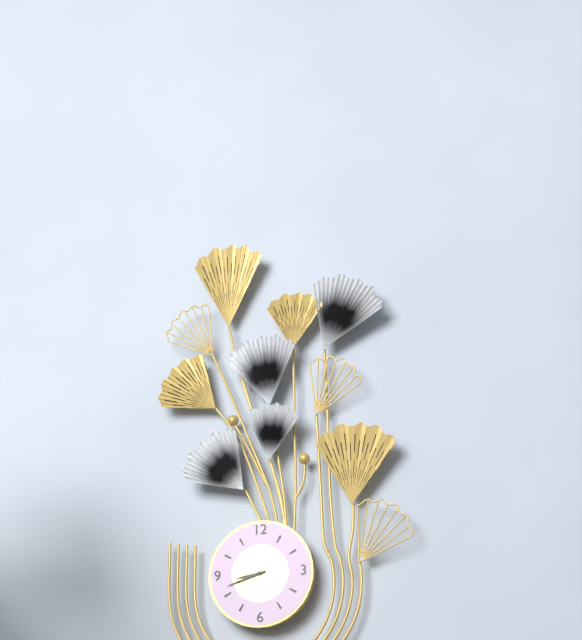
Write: 8 h 42 min
